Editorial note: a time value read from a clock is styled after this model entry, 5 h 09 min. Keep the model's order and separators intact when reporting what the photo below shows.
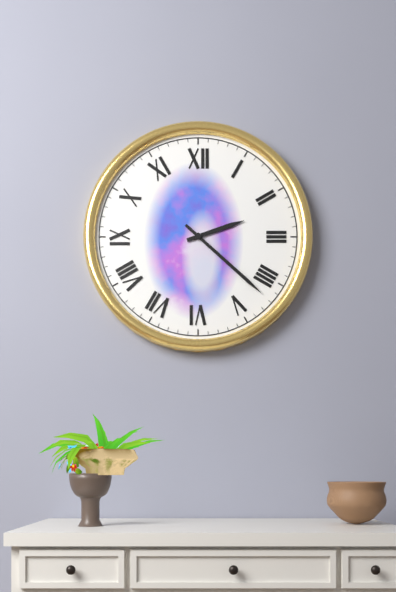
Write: 2 h 22 min
